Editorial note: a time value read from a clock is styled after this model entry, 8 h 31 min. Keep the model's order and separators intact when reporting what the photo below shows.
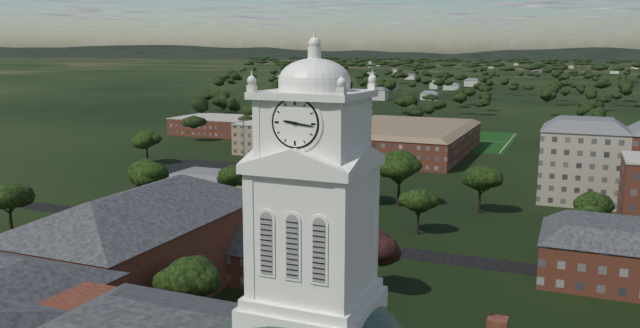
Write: 9 h 16 min
